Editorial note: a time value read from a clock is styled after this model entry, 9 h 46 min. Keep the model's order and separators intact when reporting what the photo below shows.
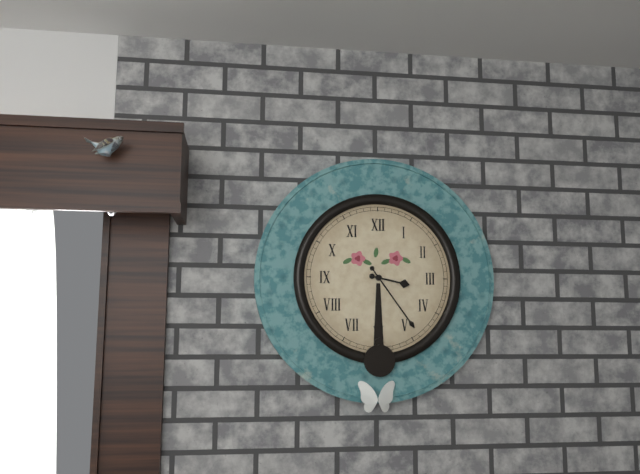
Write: 3 h 24 min
